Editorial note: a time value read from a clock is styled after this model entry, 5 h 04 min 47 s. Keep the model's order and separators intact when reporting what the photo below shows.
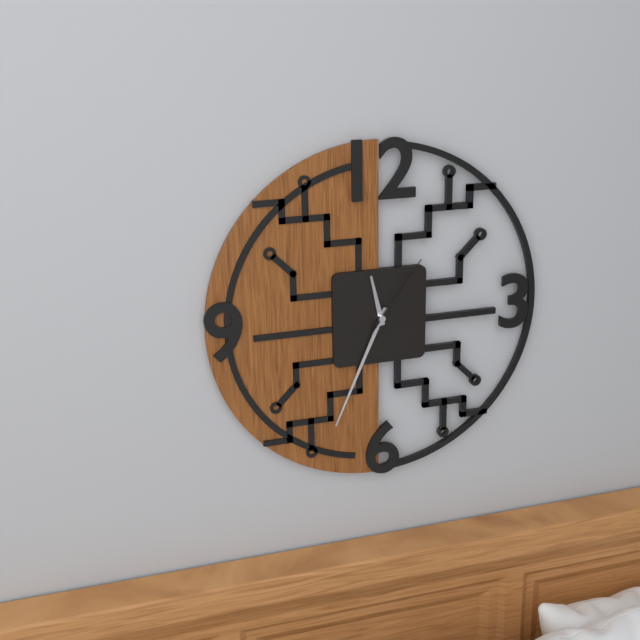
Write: 11 h 34 min 06 s
